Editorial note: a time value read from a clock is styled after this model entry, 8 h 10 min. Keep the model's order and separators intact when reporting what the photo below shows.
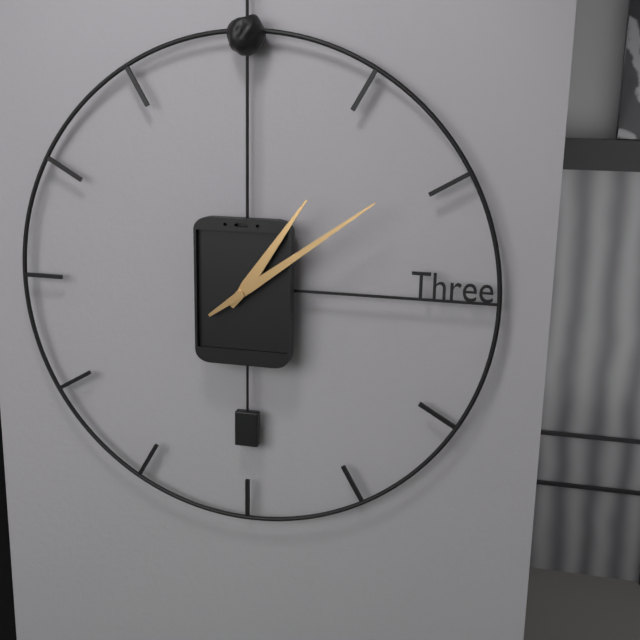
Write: 1 h 09 min
